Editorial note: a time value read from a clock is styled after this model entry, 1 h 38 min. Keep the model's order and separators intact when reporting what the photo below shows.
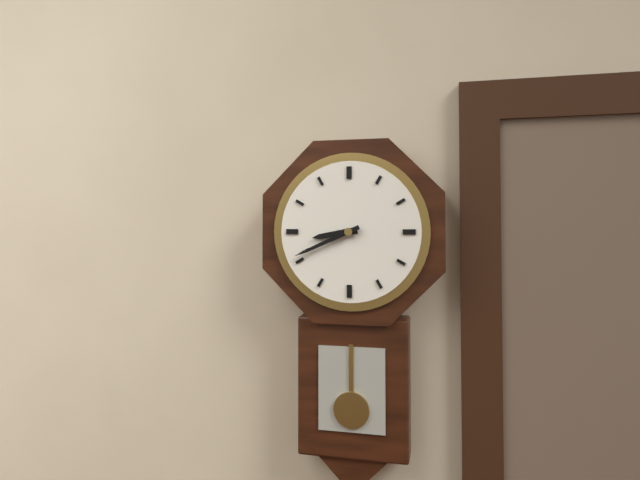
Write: 8 h 41 min
